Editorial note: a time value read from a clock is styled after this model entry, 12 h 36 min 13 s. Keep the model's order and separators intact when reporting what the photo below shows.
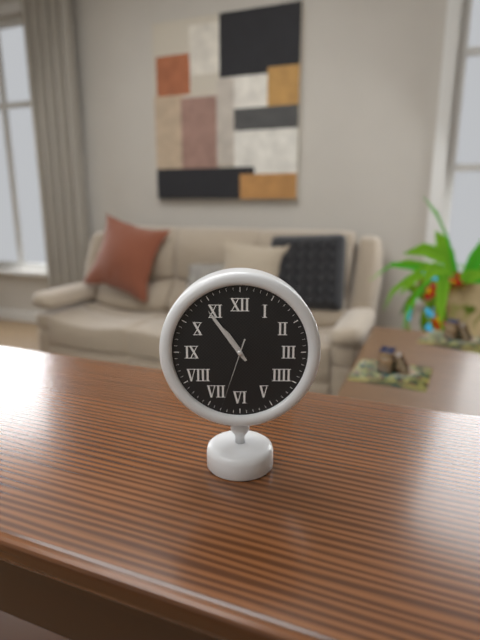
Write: 10 h 54 min 33 s
